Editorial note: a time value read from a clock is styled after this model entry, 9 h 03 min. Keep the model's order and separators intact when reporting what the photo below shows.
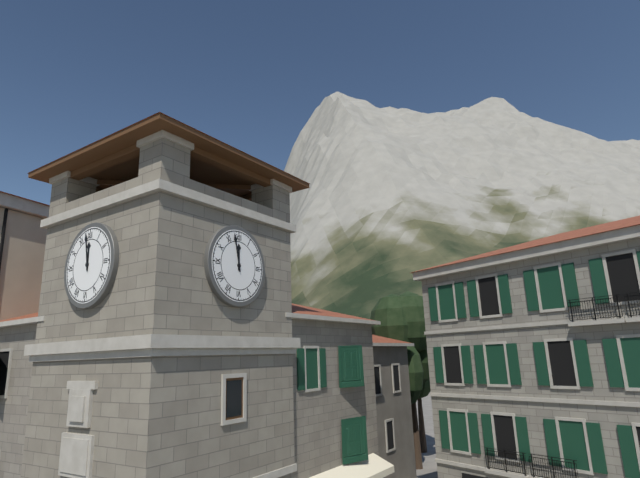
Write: 11 h 58 min
